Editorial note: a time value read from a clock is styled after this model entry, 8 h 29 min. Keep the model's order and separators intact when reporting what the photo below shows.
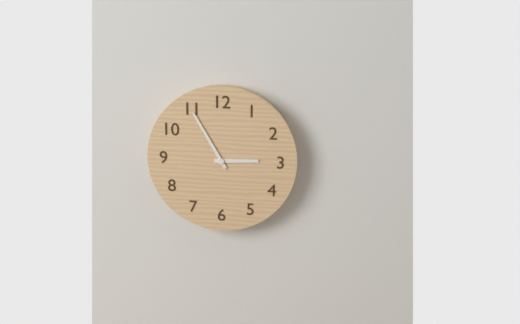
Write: 2 h 55 min
